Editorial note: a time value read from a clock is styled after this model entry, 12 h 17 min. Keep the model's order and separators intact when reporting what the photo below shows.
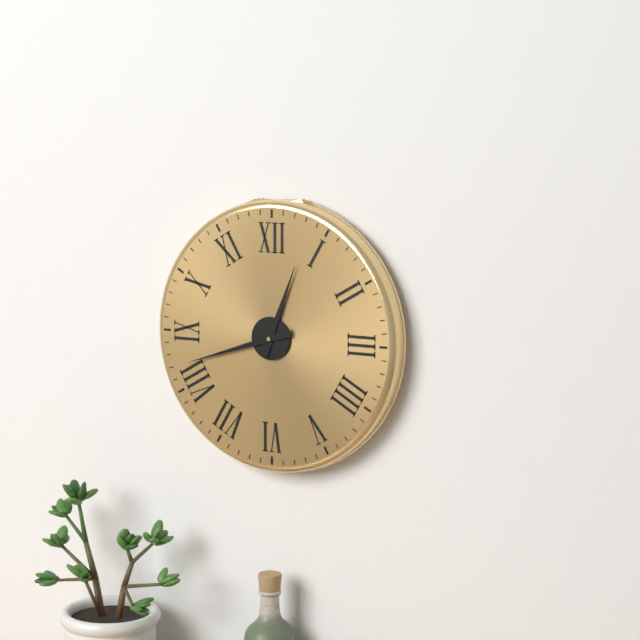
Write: 12 h 42 min
